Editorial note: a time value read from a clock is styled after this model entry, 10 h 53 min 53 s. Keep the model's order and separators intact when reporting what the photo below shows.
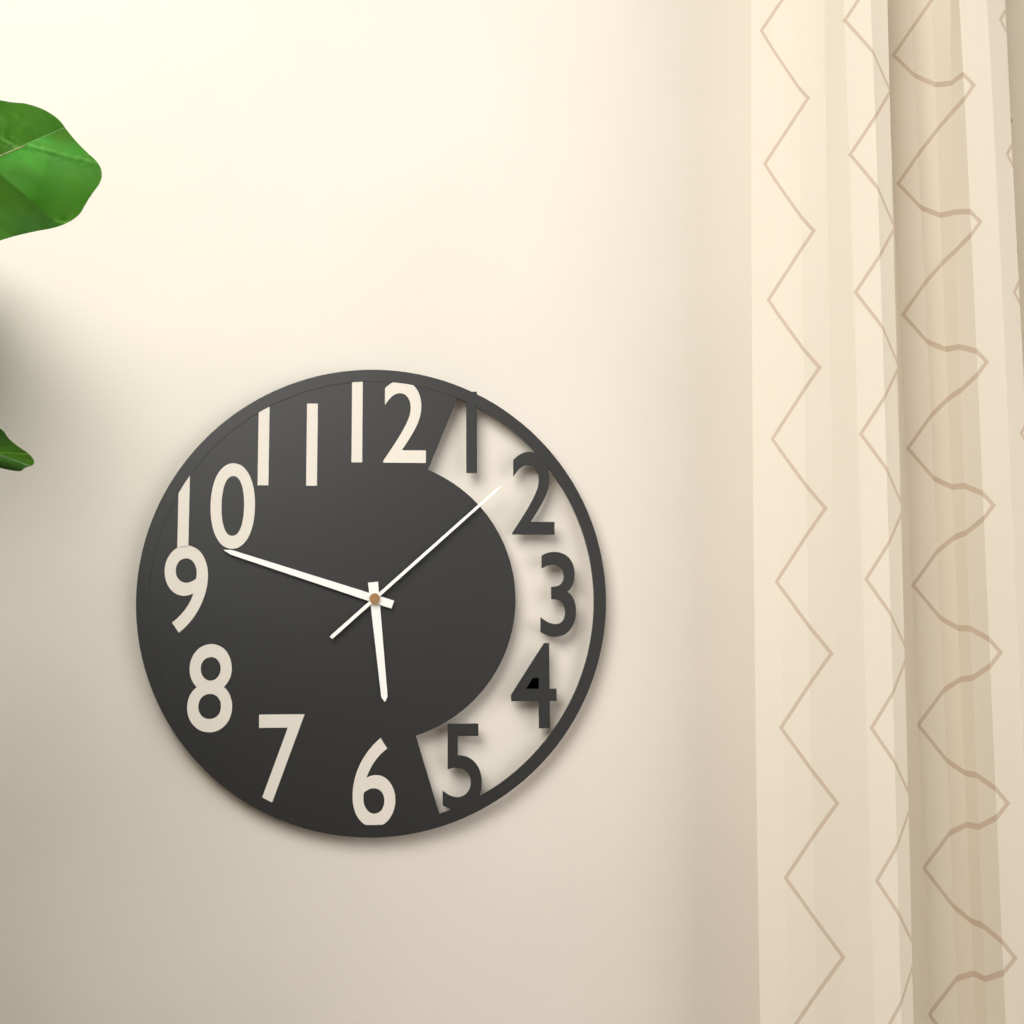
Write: 5 h 48 min 08 s
